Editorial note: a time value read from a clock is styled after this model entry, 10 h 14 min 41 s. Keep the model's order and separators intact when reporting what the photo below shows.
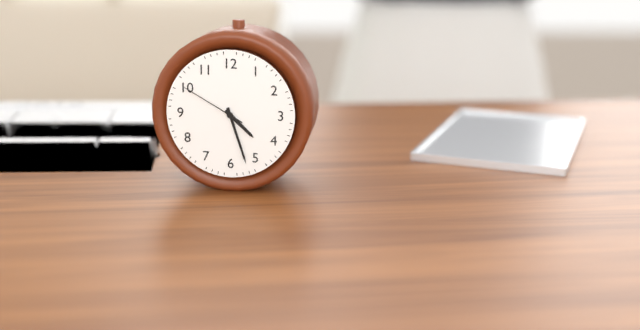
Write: 4 h 27 min 50 s
